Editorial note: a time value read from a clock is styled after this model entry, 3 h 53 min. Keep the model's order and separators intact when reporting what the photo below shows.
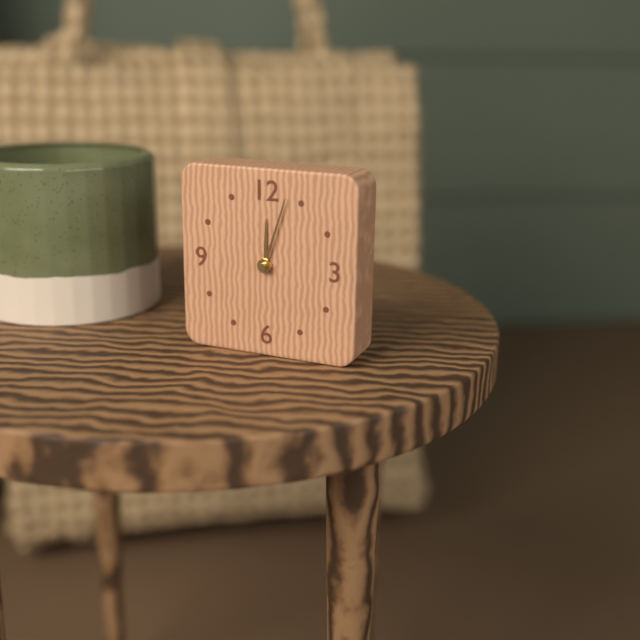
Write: 12 h 03 min
